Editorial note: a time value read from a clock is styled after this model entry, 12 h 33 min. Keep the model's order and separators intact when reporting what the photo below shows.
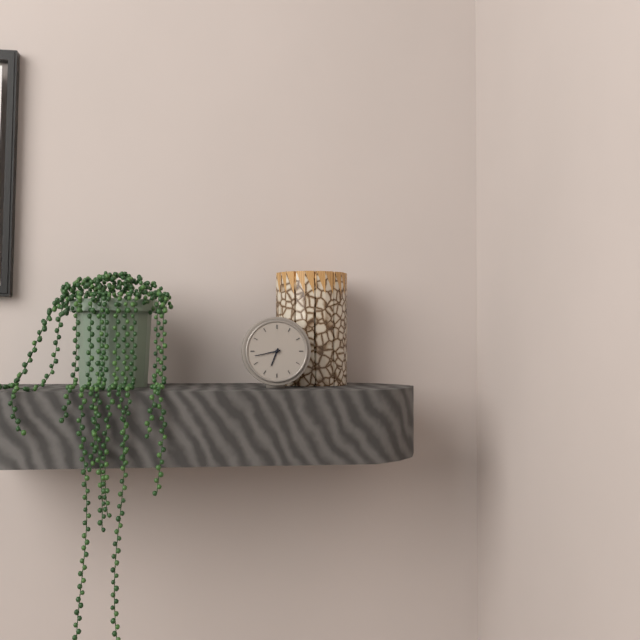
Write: 6 h 43 min
